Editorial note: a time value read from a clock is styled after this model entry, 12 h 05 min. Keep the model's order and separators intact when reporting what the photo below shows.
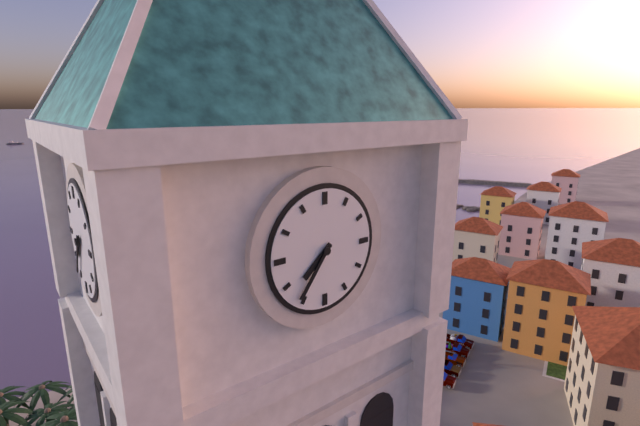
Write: 7 h 36 min
